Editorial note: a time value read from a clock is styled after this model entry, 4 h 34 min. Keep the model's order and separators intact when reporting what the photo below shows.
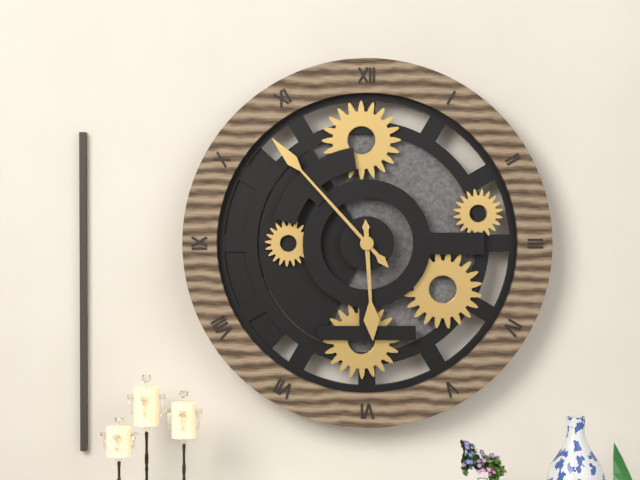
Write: 5 h 53 min
